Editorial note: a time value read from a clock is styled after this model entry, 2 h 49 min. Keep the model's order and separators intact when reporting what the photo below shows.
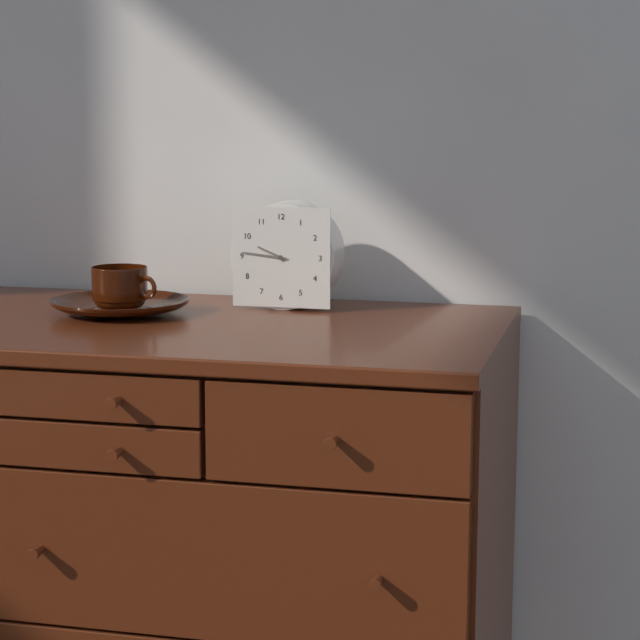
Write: 9 h 46 min
